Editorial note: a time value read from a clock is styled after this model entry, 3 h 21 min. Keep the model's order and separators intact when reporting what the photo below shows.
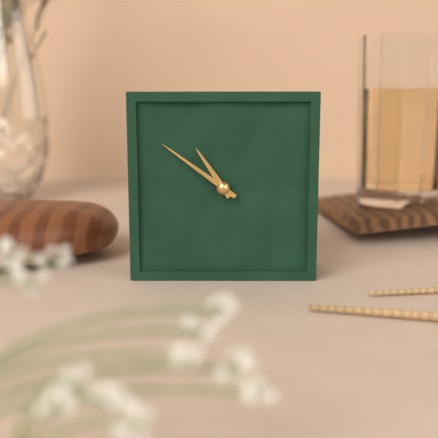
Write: 10 h 51 min
